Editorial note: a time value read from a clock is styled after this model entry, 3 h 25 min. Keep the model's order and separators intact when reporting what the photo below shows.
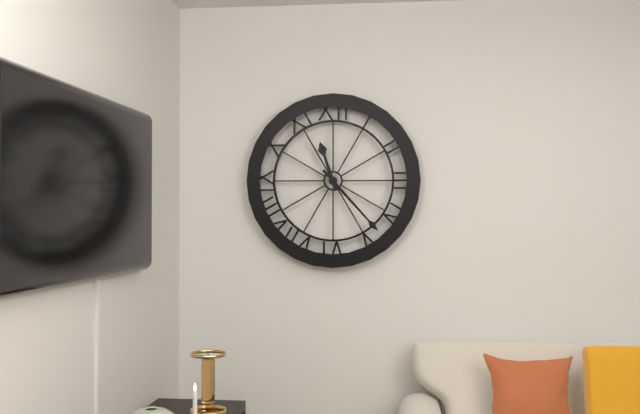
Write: 11 h 23 min
